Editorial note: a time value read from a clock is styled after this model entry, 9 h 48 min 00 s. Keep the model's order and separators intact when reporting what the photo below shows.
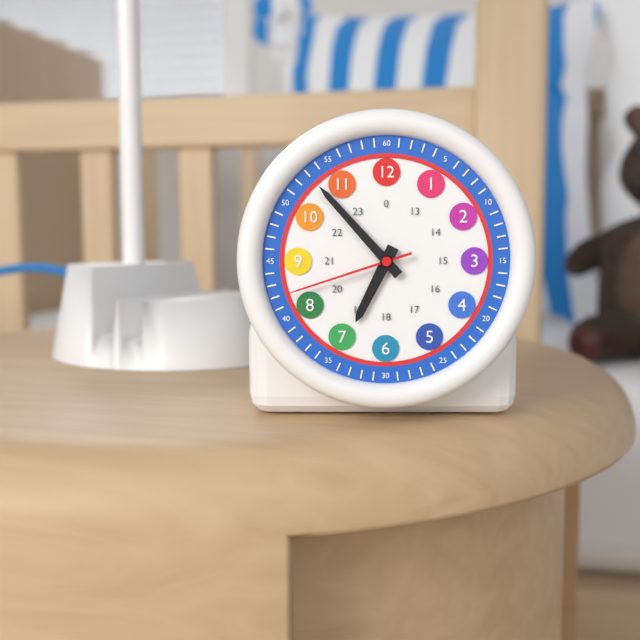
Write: 6 h 53 min 42 s
